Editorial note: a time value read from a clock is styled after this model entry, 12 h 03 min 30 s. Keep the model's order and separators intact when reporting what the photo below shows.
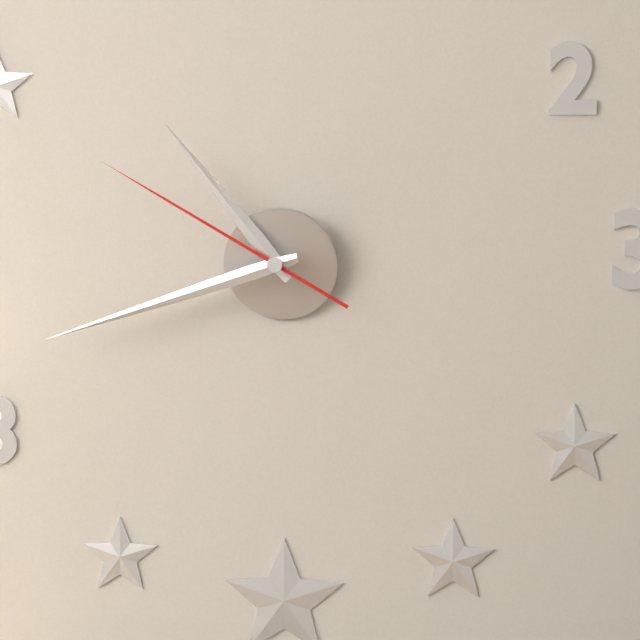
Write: 10 h 42 min 50 s
